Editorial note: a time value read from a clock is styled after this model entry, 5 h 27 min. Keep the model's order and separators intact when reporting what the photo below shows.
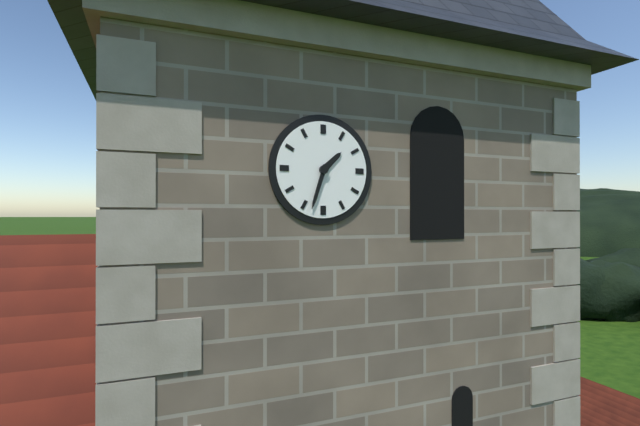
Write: 1 h 33 min
